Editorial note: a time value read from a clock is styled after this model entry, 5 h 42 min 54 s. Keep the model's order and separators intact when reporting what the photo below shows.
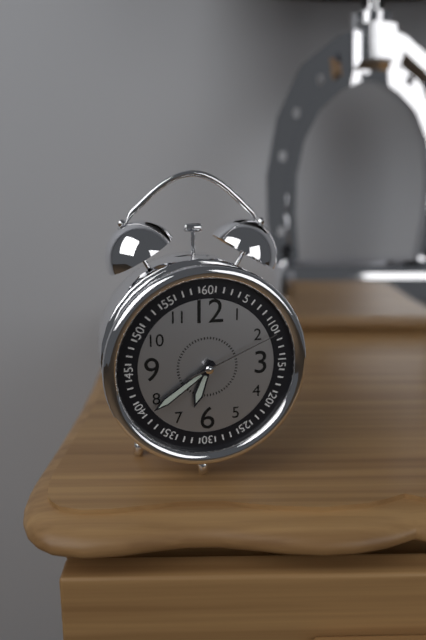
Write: 6 h 39 min 11 s
